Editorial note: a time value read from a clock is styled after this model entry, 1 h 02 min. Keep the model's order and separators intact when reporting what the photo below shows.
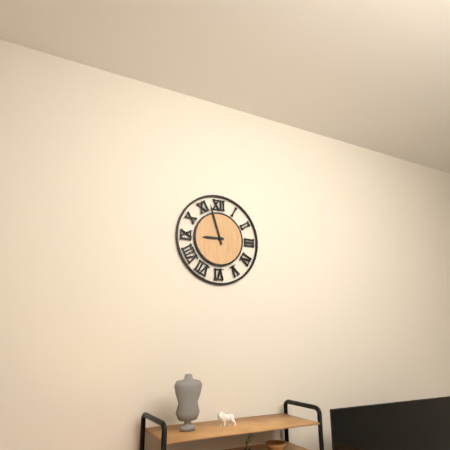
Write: 8 h 57 min
